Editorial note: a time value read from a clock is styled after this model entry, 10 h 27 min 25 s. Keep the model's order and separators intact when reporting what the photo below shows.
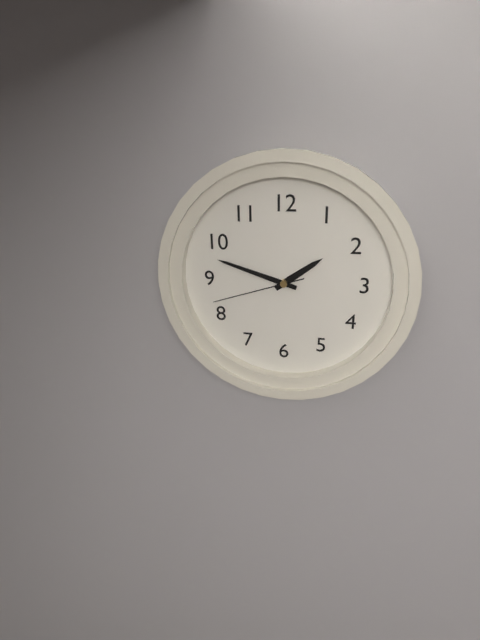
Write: 1 h 48 min 42 s
